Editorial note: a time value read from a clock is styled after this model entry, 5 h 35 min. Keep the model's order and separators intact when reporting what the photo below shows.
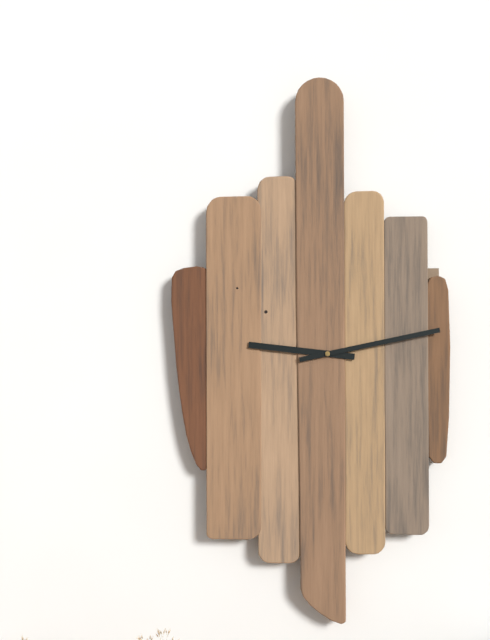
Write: 9 h 13 min
